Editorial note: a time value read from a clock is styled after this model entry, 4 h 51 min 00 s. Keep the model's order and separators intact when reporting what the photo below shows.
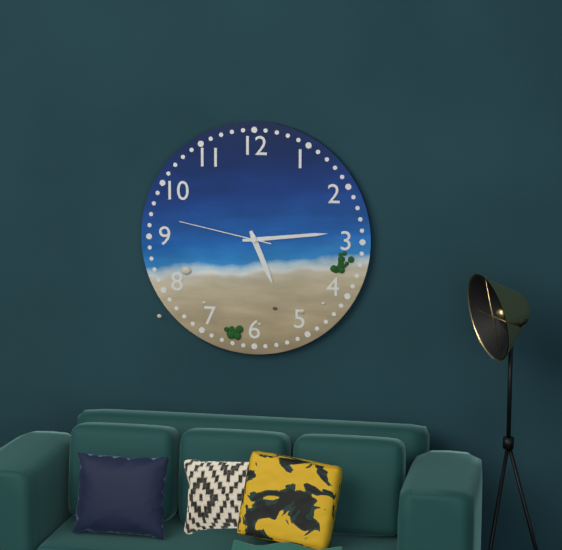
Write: 5 h 14 min 47 s
